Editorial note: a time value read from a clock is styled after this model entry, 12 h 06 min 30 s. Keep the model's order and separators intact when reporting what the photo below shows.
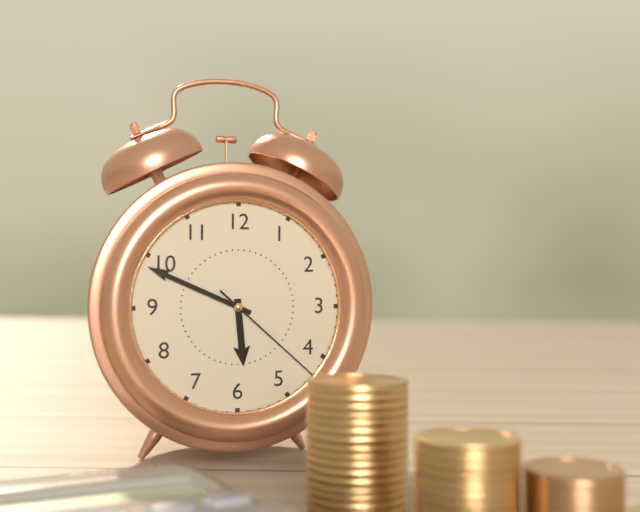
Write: 5 h 49 min 22 s
